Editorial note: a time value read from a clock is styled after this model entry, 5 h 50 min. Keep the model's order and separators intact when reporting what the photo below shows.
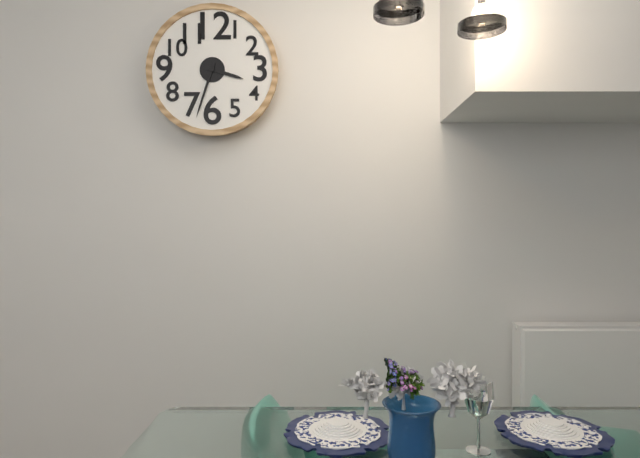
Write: 3 h 33 min
